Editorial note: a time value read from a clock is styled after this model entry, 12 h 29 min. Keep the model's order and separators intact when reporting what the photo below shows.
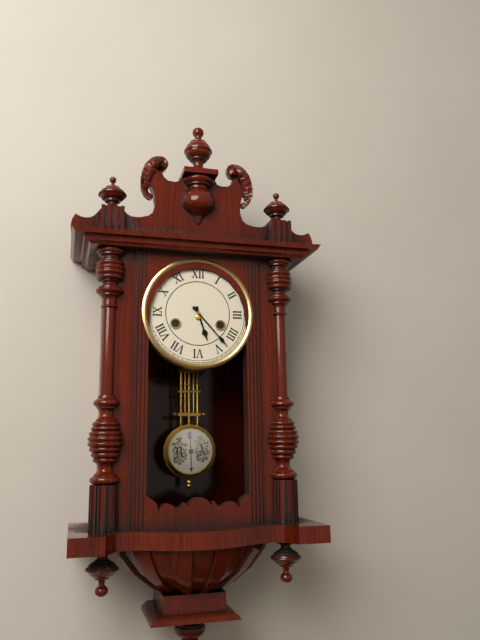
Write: 5 h 23 min
